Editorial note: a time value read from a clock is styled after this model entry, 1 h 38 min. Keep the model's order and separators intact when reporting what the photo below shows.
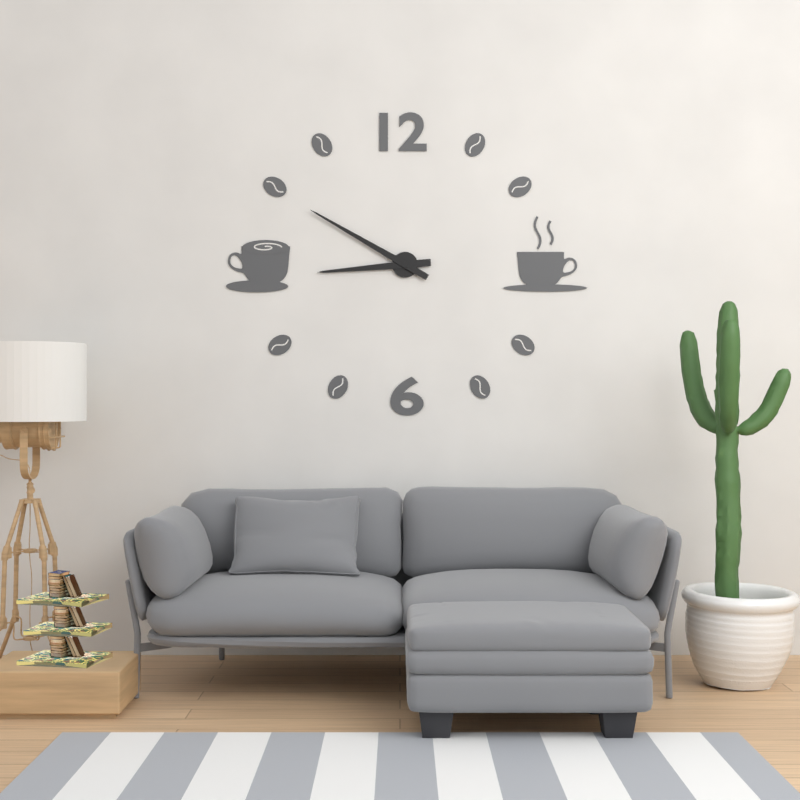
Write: 8 h 50 min
